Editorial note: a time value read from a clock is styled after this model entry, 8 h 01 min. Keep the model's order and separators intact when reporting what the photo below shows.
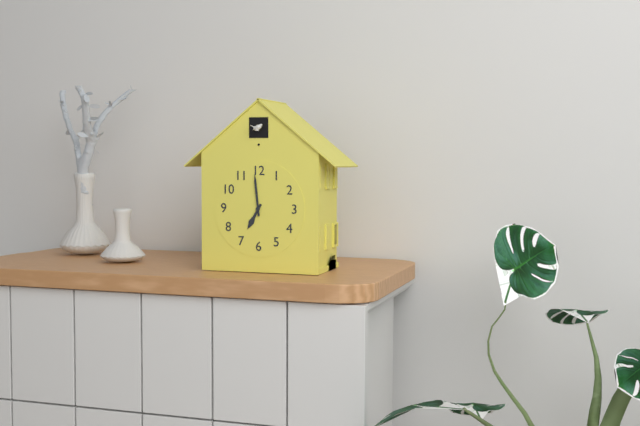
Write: 6 h 59 min
